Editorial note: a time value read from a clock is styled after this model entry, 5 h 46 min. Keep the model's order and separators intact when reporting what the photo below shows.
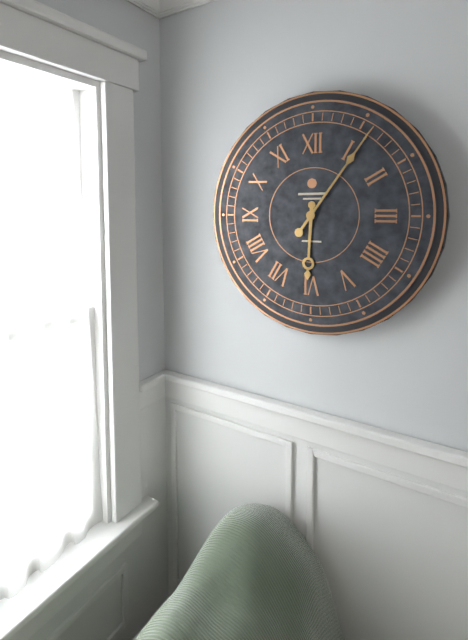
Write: 6 h 06 min
